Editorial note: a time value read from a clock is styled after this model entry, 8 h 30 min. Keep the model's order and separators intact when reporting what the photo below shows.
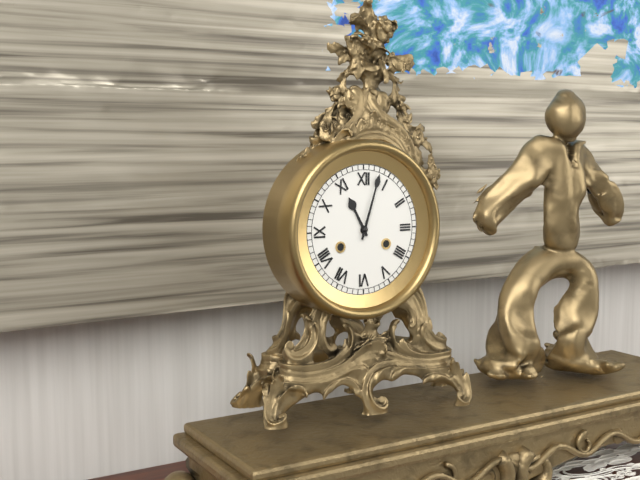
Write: 11 h 03 min
